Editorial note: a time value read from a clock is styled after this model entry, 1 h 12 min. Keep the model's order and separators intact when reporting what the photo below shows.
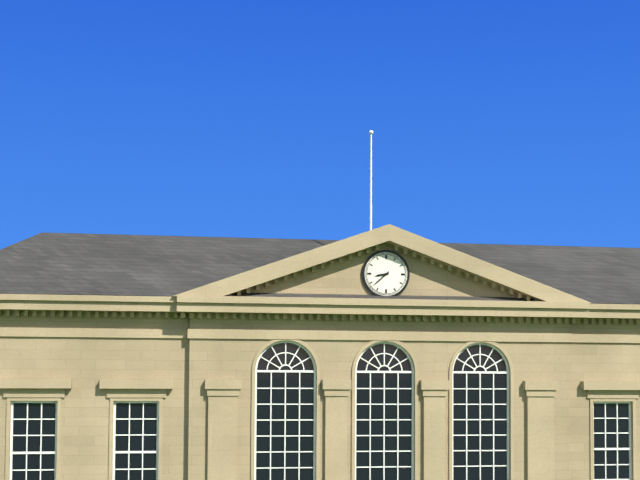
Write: 8 h 38 min
